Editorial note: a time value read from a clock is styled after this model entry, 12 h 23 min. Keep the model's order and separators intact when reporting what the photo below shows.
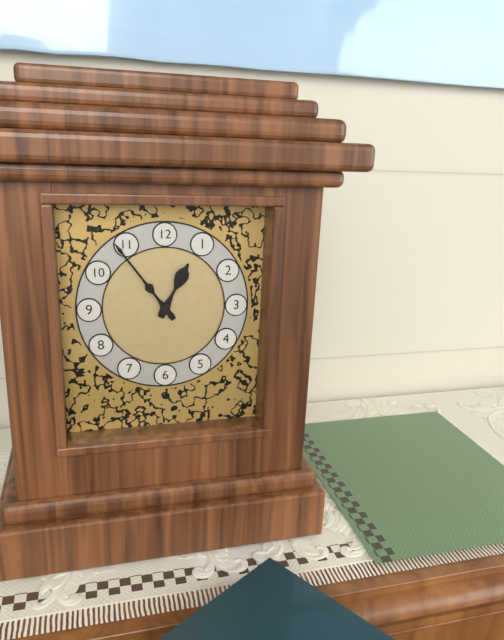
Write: 12 h 54 min
